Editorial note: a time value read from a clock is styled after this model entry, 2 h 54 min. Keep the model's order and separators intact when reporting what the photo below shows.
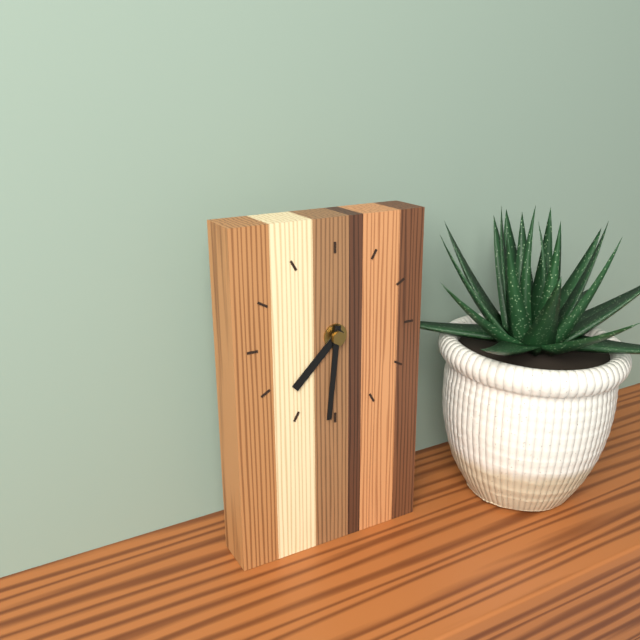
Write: 7 h 31 min
